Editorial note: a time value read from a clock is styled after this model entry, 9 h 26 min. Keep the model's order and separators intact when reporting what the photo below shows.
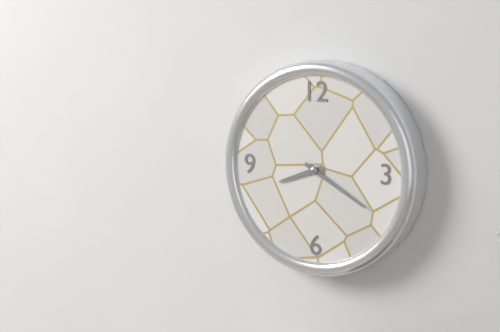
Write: 8 h 20 min
